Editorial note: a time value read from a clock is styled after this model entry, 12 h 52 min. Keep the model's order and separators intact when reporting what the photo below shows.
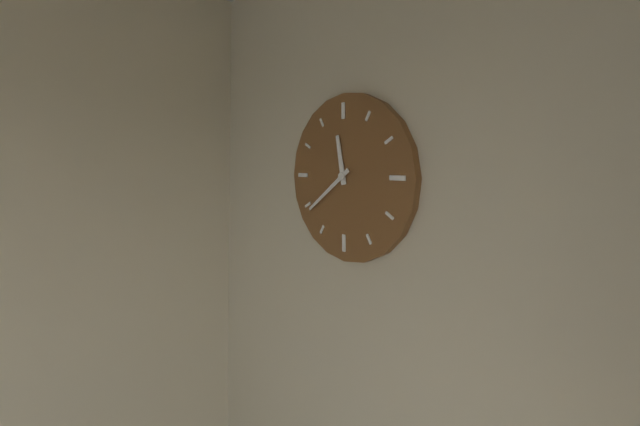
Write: 11 h 39 min
